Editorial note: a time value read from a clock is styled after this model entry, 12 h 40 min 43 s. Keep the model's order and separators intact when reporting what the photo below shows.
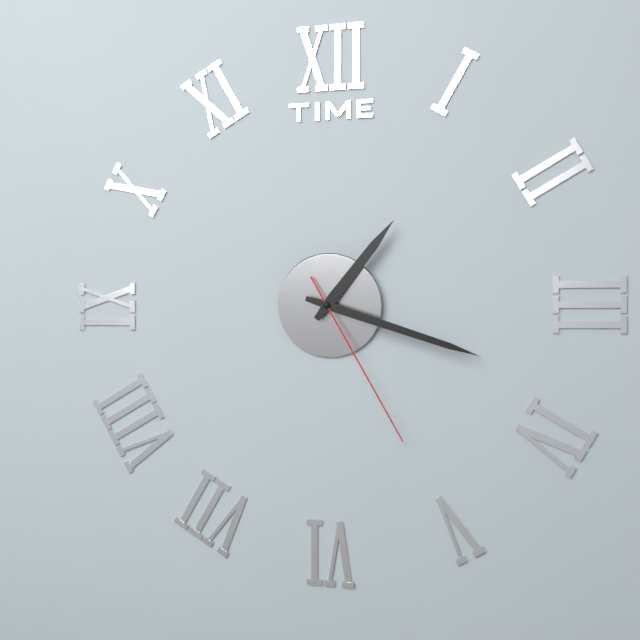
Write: 1 h 18 min 25 s
